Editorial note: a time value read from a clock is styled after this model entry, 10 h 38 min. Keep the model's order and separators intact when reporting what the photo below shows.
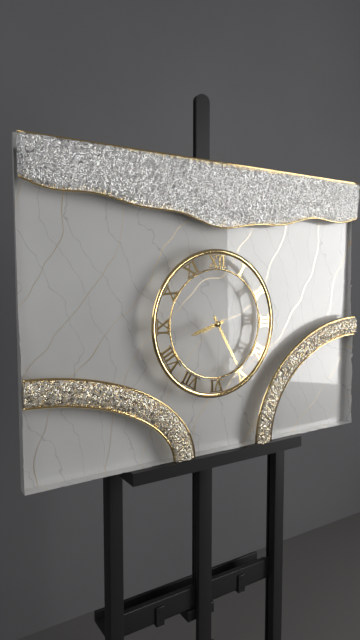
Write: 8 h 25 min
